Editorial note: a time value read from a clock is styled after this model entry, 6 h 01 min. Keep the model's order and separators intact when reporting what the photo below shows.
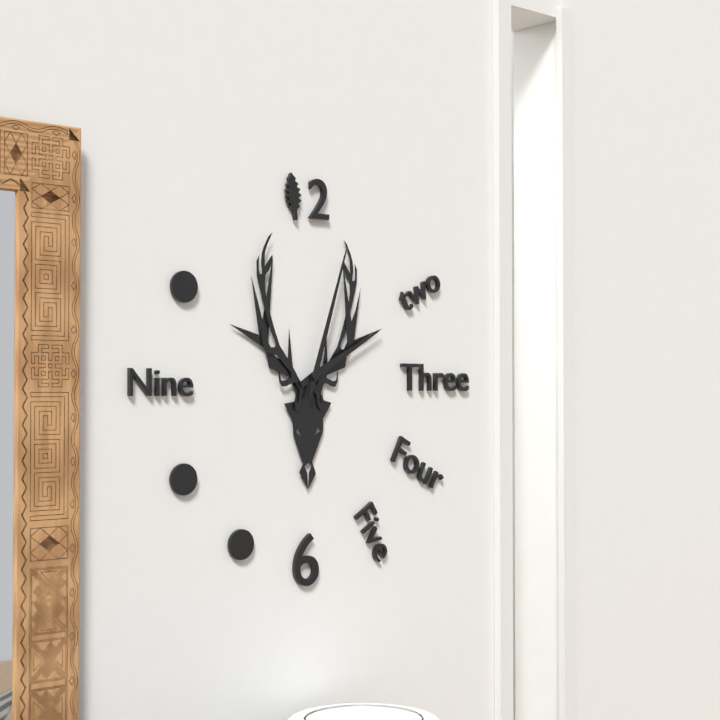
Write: 2 h 03 min
